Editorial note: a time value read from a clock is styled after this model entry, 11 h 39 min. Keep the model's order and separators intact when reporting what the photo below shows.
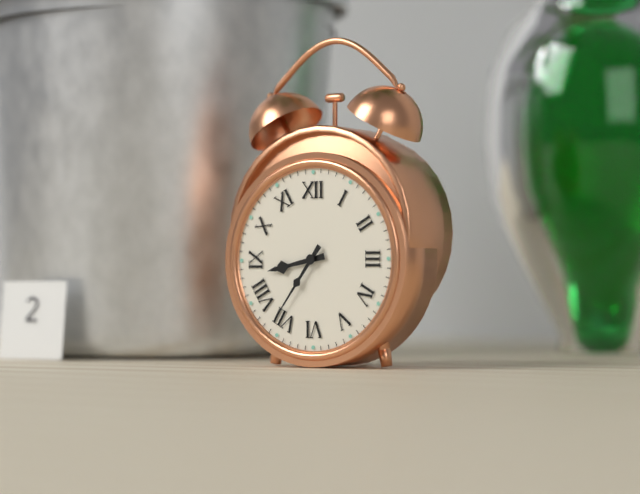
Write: 8 h 36 min
